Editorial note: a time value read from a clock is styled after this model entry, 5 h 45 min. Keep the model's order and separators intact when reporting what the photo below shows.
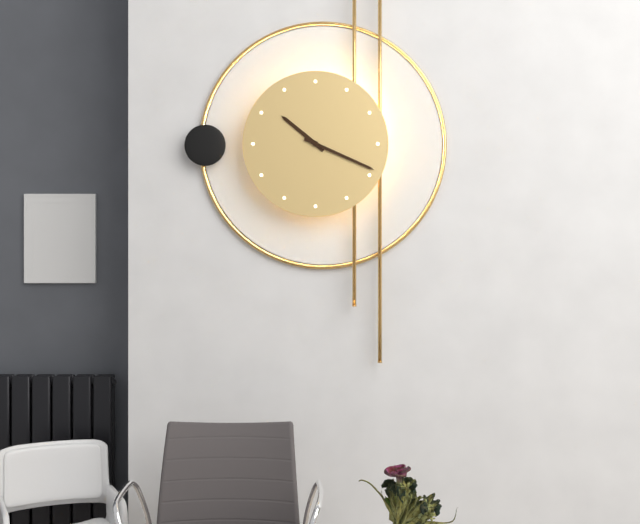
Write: 10 h 19 min
